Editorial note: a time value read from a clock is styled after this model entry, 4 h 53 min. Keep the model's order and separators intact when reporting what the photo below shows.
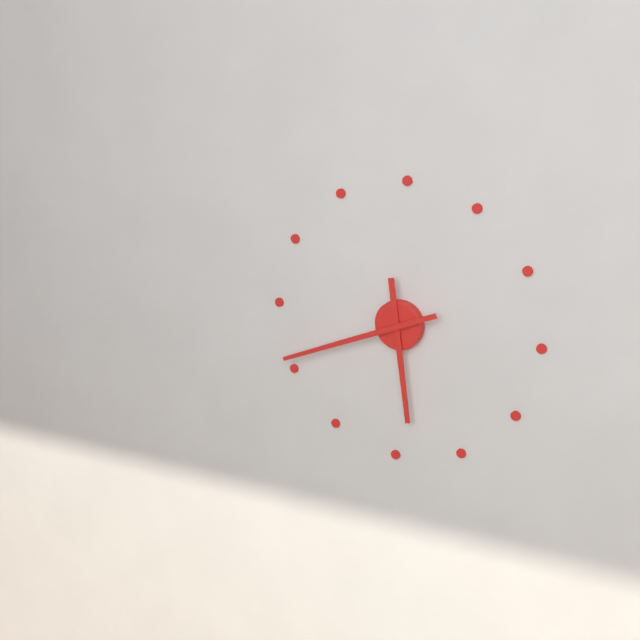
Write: 5 h 41 min
